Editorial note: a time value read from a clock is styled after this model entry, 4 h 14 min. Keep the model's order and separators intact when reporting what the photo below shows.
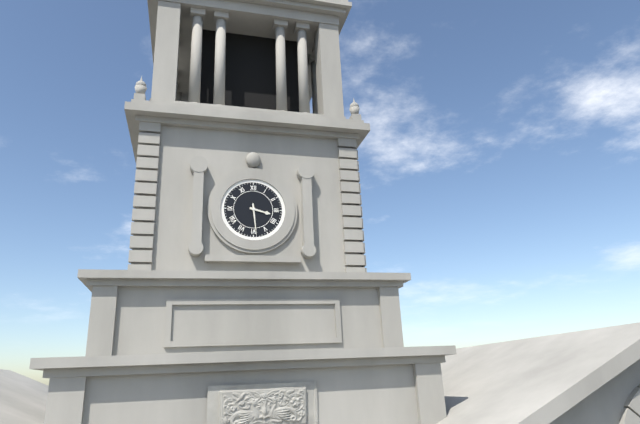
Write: 3 h 29 min
